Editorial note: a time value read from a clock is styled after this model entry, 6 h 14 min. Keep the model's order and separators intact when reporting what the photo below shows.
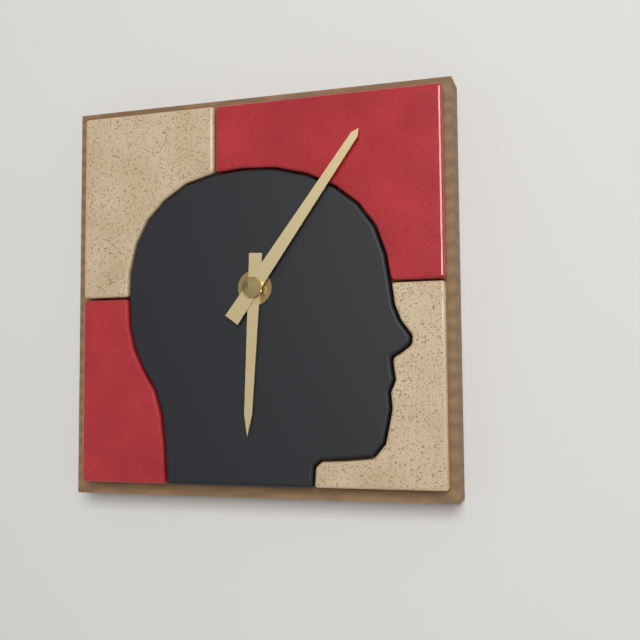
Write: 6 h 06 min
